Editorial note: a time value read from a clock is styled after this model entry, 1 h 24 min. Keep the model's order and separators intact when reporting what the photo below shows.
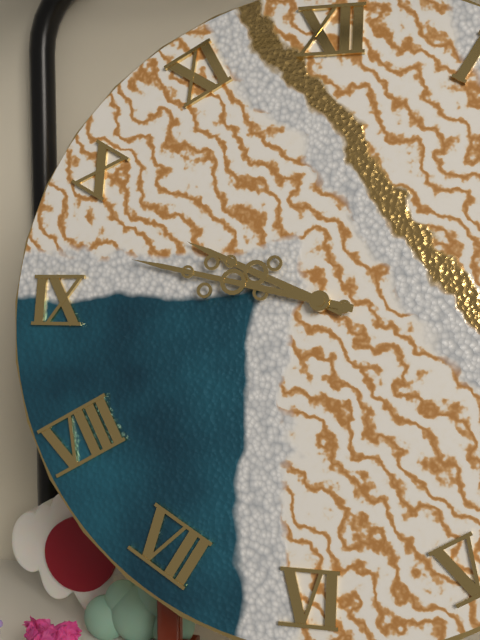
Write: 9 h 47 min
